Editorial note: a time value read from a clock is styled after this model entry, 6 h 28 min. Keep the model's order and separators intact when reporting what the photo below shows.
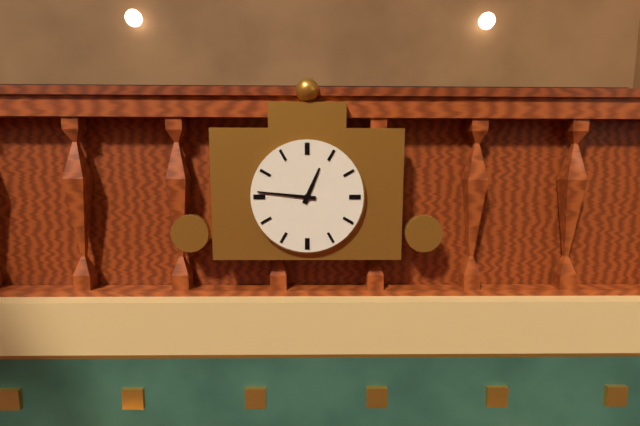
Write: 12 h 46 min
